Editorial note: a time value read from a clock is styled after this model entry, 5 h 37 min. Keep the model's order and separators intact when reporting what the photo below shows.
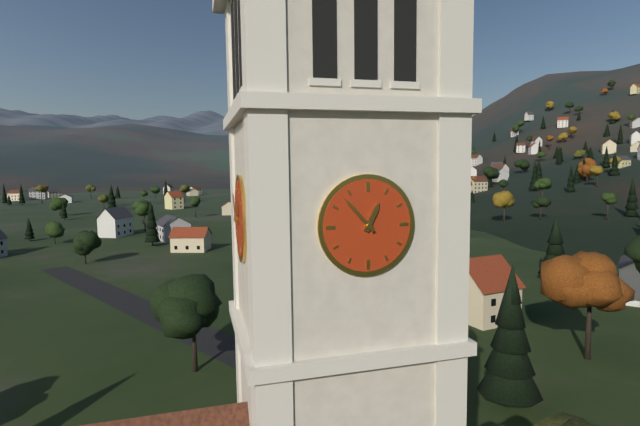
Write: 12 h 53 min
